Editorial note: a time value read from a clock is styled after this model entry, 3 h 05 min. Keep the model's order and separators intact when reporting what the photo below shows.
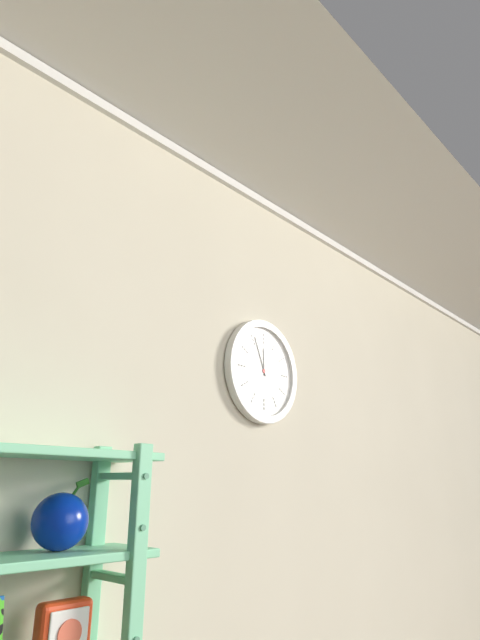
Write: 11 h 56 min
